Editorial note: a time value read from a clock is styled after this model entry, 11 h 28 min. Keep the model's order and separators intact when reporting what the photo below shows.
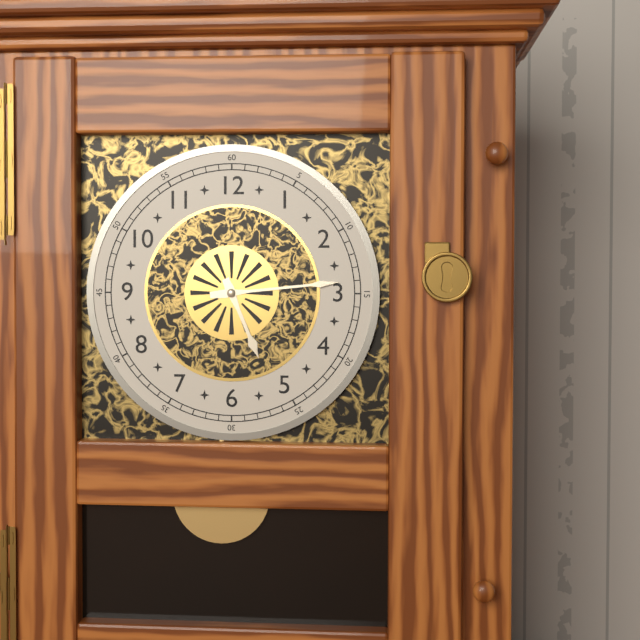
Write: 5 h 14 min
